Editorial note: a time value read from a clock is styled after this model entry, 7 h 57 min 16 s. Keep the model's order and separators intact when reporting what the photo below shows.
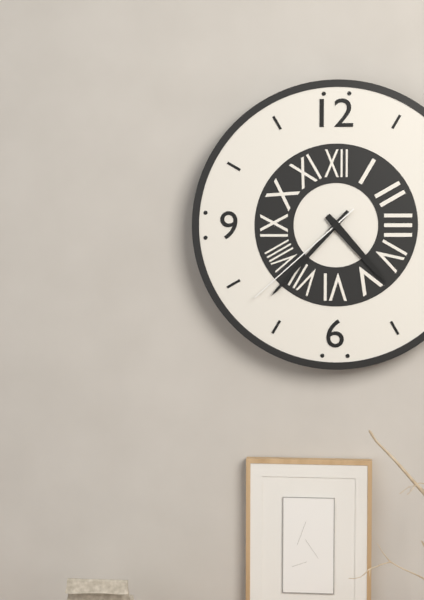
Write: 4 h 37 min 38 s
